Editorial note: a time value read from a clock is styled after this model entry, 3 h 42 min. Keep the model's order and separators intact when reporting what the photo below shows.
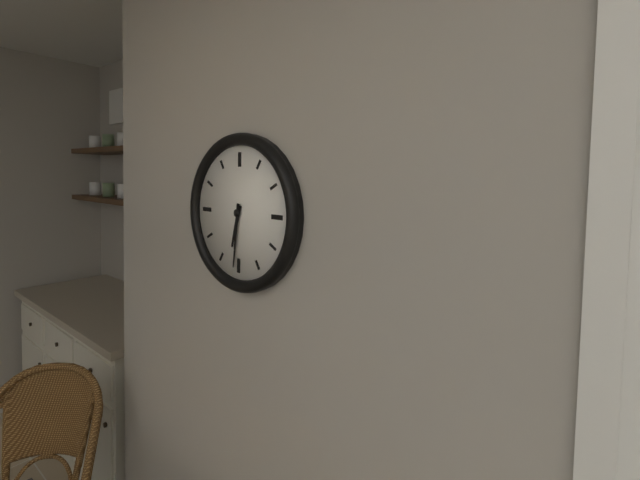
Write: 6 h 31 min
